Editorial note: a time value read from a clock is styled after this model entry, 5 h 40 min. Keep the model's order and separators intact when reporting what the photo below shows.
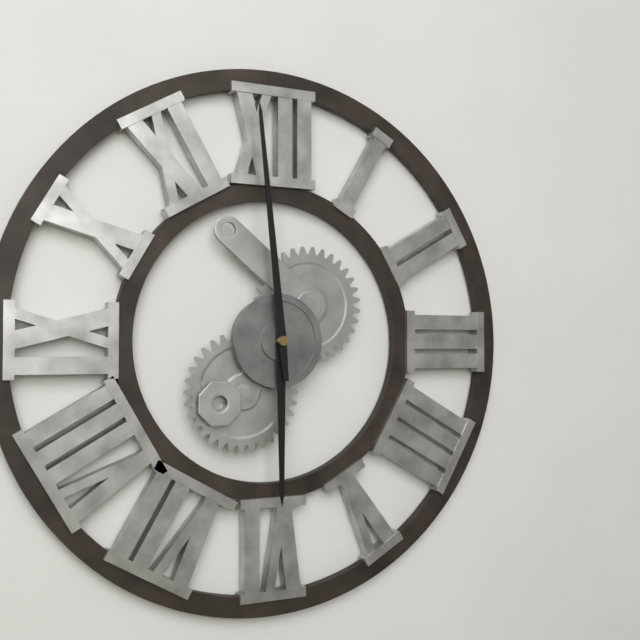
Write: 5 h 59 min
